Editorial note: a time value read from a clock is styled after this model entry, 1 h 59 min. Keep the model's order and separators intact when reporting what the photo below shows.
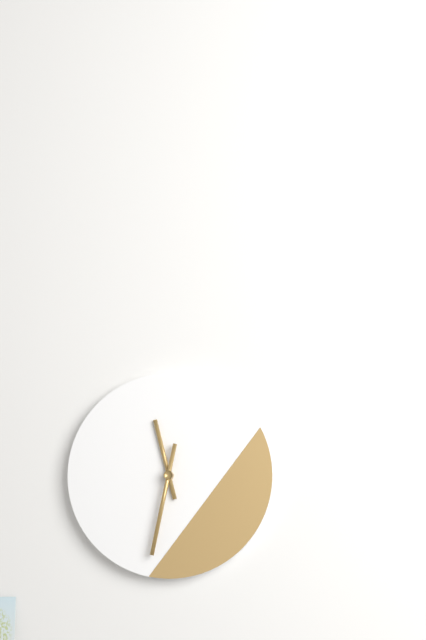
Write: 11 h 32 min
